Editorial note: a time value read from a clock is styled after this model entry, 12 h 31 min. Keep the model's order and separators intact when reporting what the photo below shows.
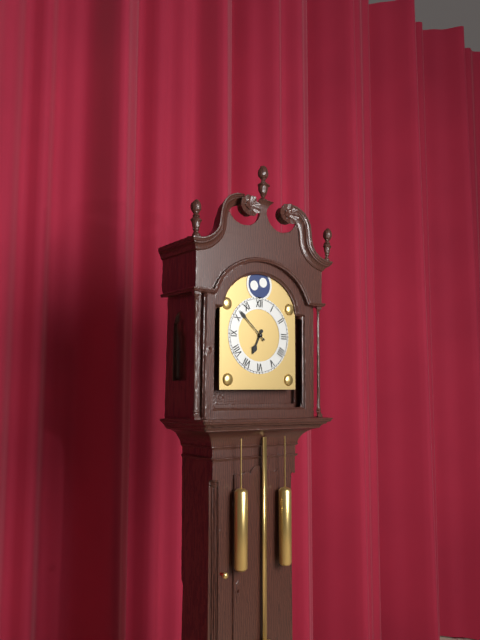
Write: 6 h 52 min
